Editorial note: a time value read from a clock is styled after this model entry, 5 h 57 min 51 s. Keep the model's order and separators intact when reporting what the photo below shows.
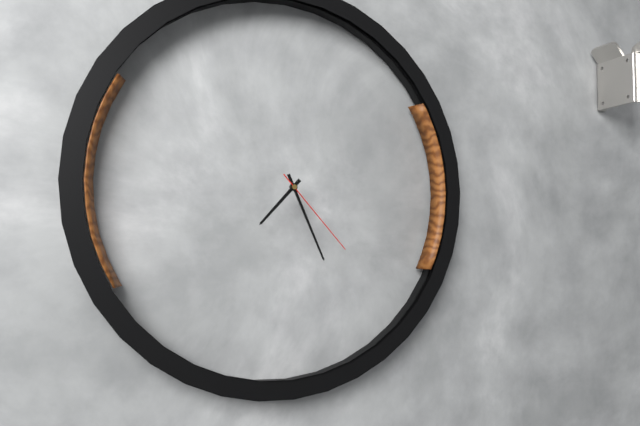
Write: 7 h 26 min 23 s
